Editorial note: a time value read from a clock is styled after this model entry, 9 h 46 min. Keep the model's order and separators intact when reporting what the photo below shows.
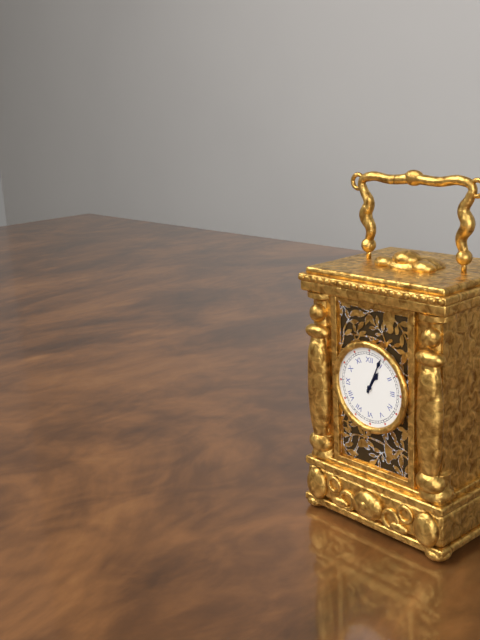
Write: 1 h 04 min
